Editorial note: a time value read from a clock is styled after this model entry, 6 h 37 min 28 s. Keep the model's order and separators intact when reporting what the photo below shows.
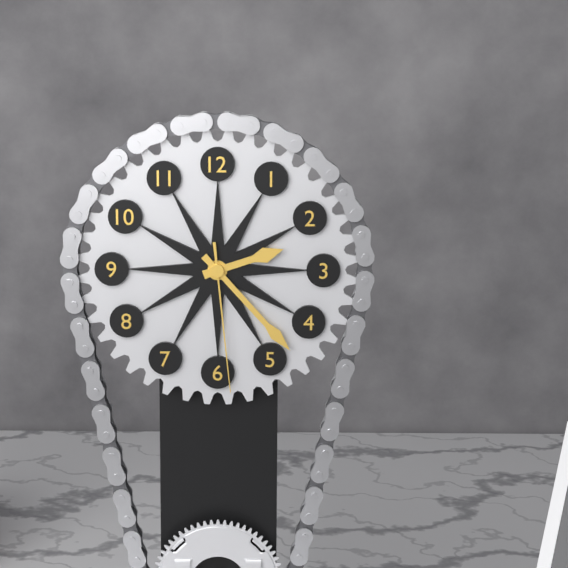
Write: 2 h 23 min 29 s
